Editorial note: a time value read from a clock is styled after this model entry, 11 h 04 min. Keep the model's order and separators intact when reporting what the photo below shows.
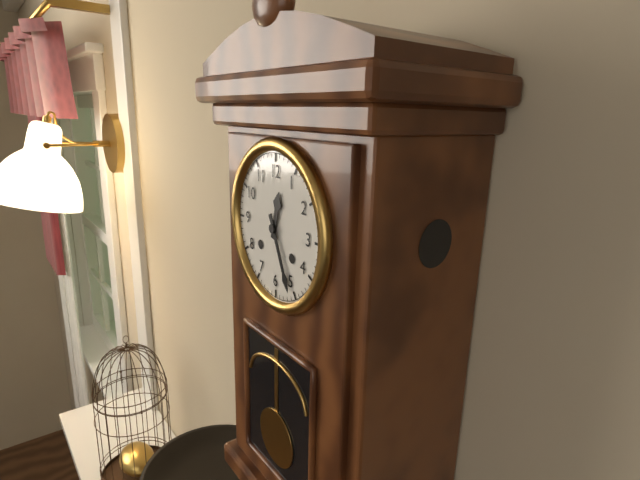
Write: 12 h 26 min
